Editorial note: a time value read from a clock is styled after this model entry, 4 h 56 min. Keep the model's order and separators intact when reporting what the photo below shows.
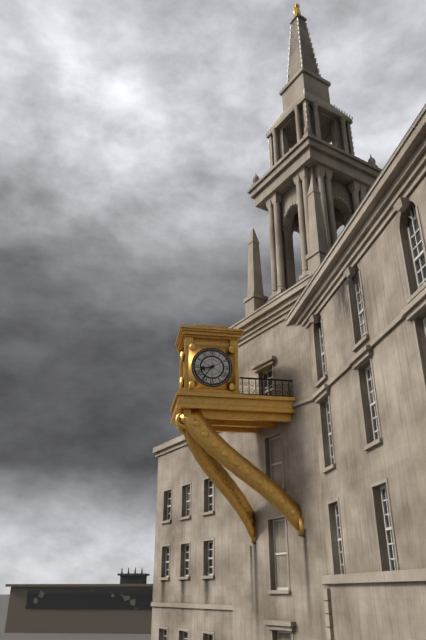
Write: 8 h 36 min
